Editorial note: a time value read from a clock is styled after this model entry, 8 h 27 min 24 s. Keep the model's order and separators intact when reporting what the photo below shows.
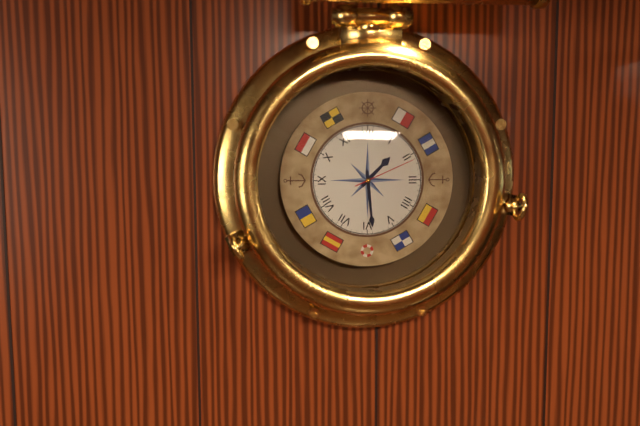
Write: 1 h 29 min 11 s
